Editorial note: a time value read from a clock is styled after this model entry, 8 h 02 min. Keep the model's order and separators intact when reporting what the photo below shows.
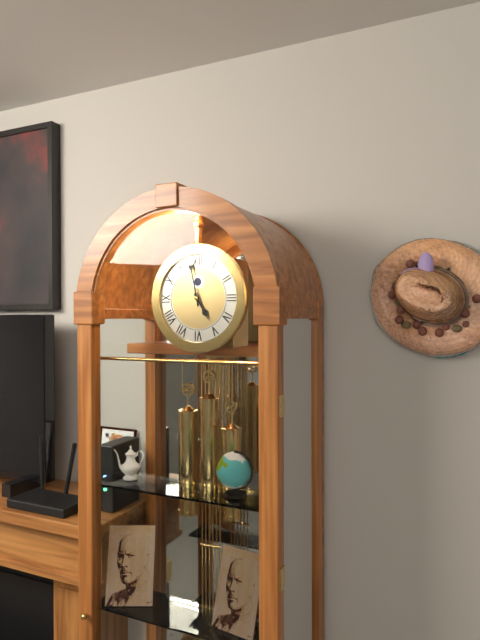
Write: 4 h 58 min
